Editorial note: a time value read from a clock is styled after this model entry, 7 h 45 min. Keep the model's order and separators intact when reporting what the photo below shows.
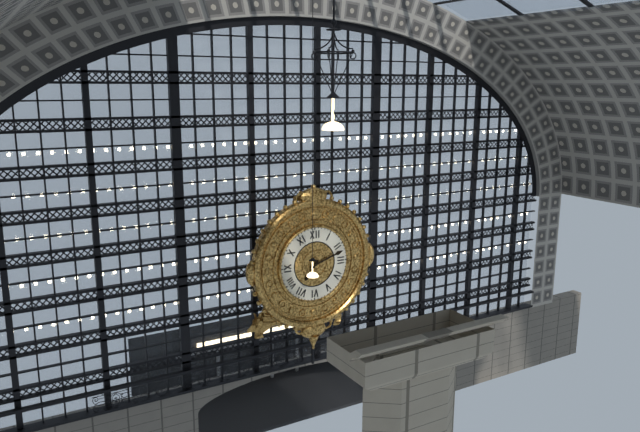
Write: 7 h 12 min
